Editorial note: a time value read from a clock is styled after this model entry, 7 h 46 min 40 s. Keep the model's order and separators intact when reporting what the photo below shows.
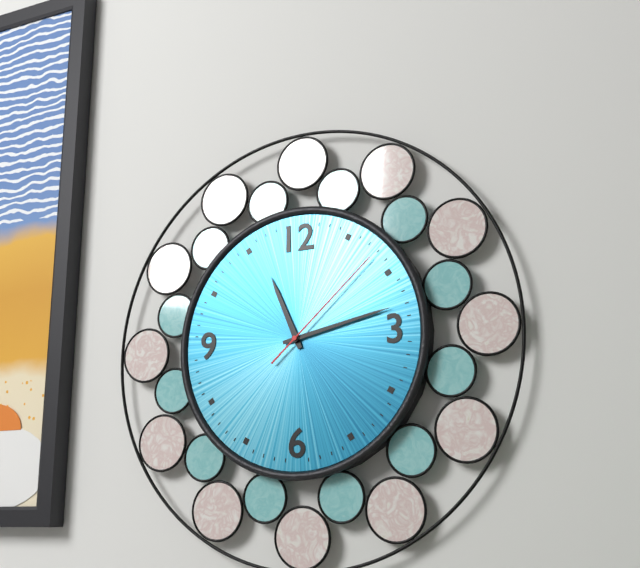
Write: 11 h 13 min 08 s
